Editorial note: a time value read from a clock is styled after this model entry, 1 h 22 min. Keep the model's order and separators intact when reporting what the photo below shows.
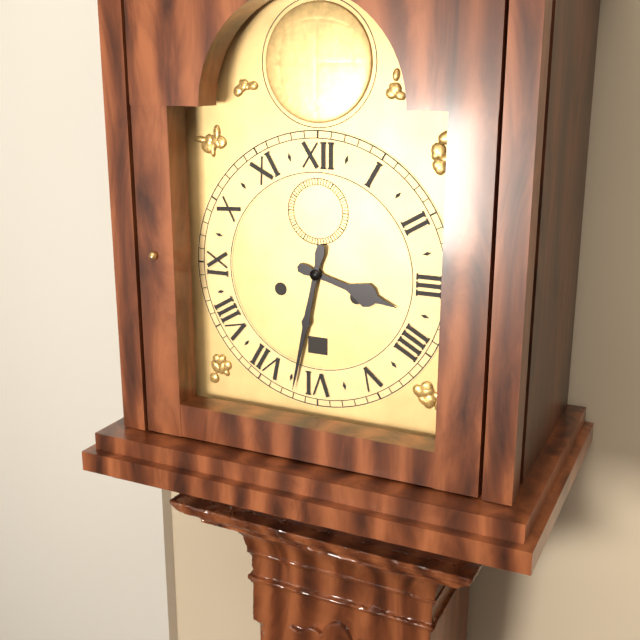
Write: 3 h 32 min
